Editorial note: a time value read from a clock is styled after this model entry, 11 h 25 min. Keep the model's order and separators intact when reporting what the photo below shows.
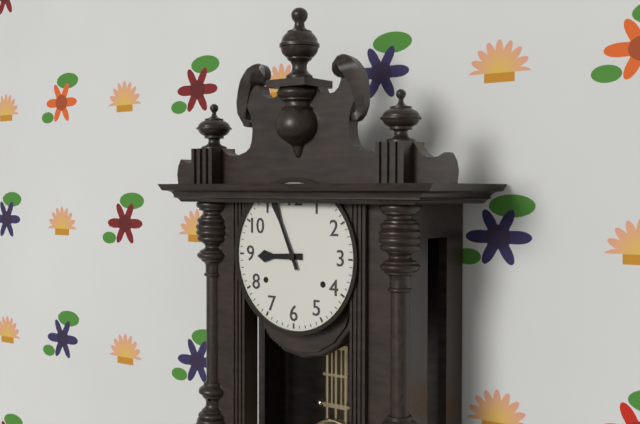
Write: 8 h 56 min
